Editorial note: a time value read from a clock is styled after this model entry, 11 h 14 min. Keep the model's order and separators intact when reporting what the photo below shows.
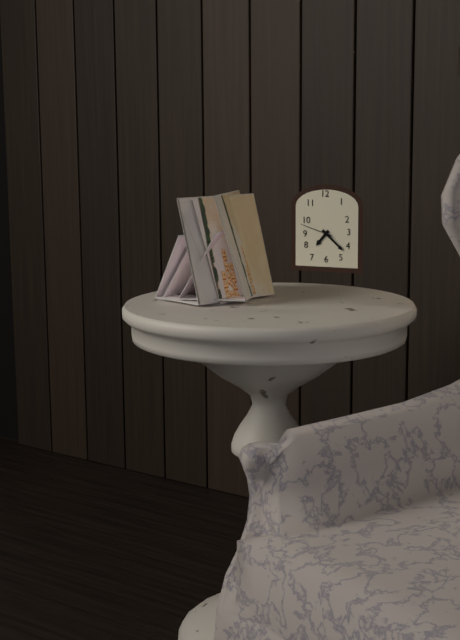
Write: 7 h 22 min
